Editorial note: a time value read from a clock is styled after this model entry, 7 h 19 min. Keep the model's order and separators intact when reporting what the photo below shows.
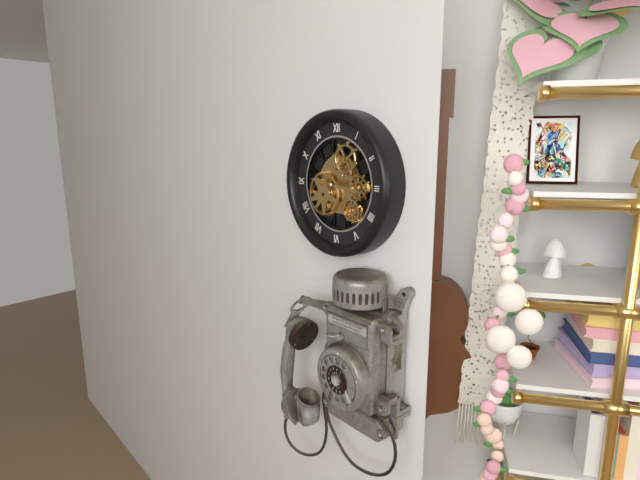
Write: 9 h 16 min
